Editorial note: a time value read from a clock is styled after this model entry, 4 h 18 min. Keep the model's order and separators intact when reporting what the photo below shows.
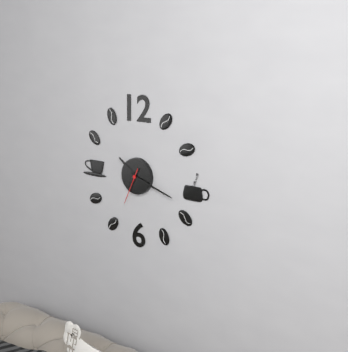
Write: 10 h 18 min
